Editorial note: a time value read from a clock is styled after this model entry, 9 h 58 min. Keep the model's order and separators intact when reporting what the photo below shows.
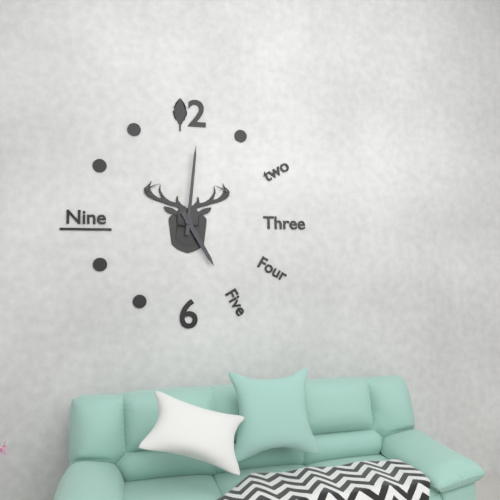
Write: 5 h 01 min
